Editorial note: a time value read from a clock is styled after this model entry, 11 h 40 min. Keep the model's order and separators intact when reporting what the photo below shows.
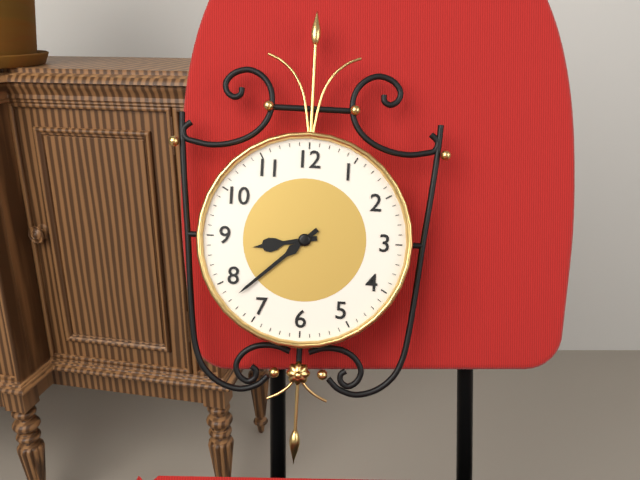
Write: 8 h 38 min
